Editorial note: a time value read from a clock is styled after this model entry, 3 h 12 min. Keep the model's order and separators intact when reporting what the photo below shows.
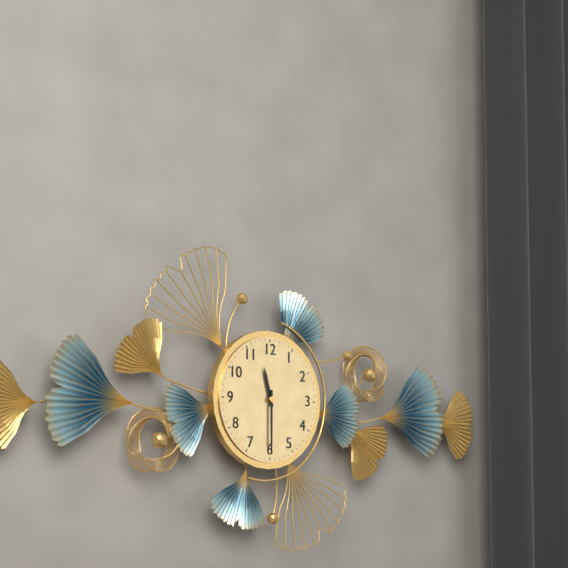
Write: 11 h 30 min
